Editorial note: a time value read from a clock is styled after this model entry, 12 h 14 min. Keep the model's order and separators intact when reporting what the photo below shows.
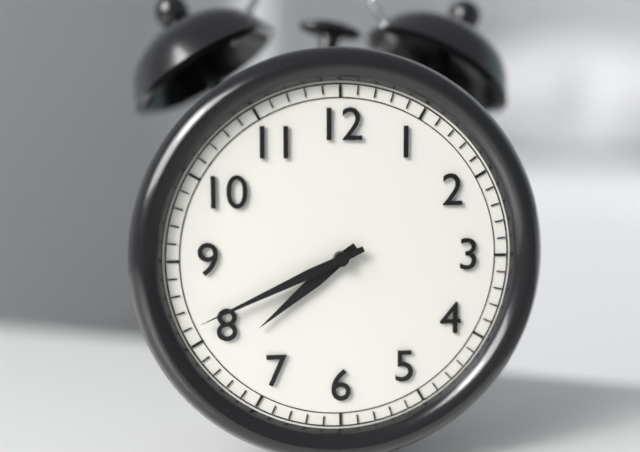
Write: 7 h 41 min
